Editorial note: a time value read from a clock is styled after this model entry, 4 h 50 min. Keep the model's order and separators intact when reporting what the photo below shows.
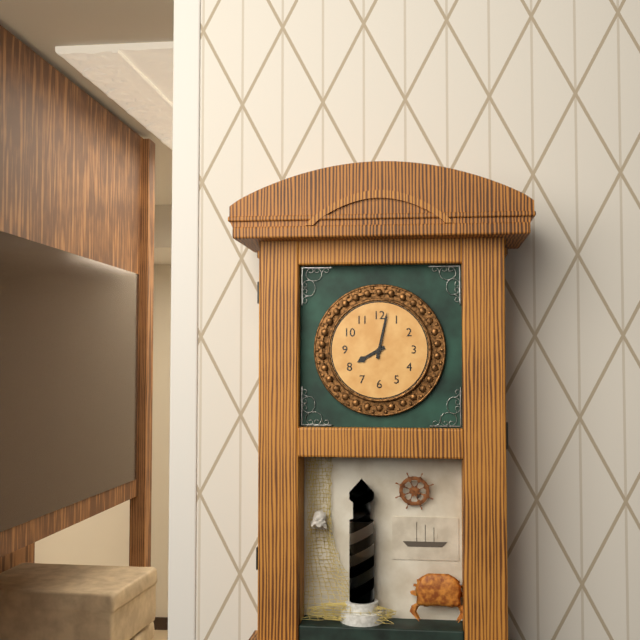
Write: 8 h 02 min
